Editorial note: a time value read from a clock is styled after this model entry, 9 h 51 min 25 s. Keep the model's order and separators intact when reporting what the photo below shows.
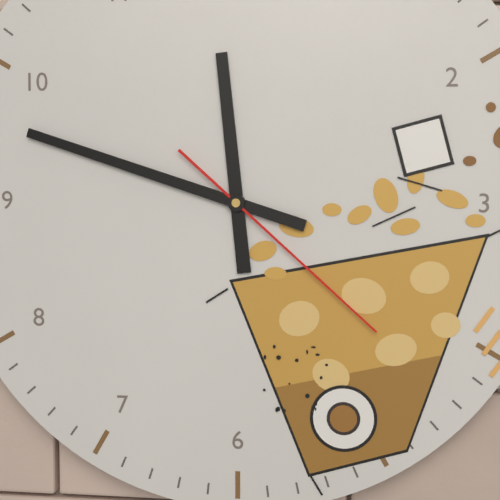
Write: 11 h 48 min 22 s
